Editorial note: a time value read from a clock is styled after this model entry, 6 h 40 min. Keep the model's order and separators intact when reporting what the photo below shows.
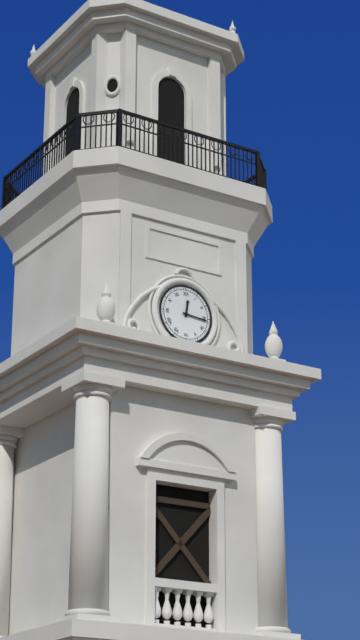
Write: 12 h 16 min
